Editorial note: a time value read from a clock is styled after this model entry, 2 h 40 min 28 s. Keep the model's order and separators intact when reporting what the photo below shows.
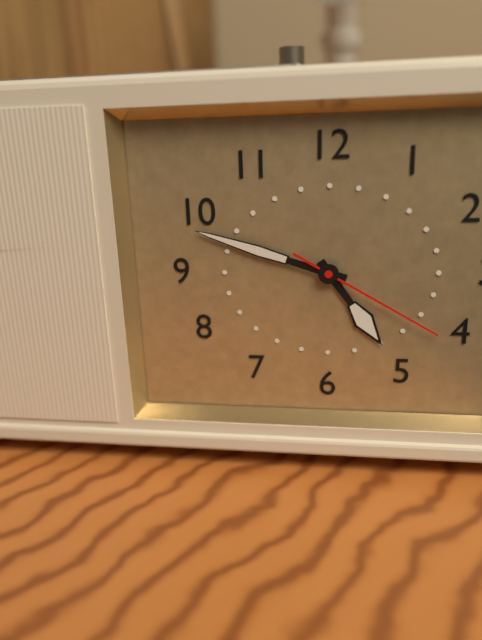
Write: 4 h 48 min 20 s
